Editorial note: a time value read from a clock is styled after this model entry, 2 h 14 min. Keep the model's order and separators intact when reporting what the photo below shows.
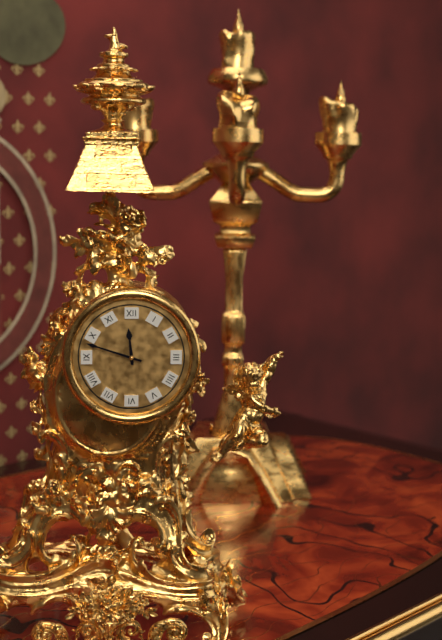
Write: 11 h 48 min
